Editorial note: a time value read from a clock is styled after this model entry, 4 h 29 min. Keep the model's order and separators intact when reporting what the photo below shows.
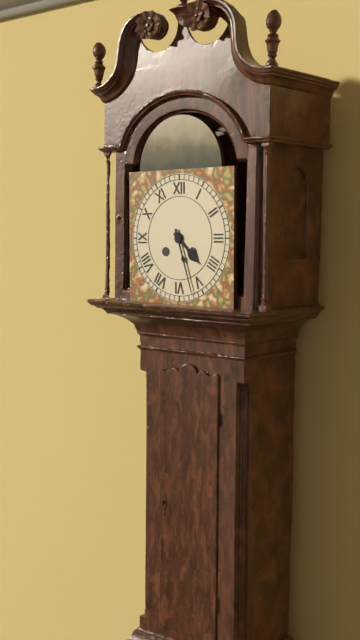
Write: 4 h 27 min
